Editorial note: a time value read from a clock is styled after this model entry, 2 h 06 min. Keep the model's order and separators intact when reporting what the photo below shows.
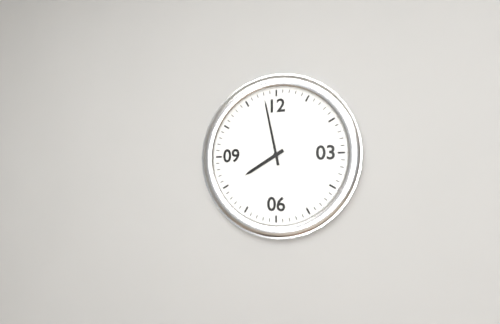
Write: 7 h 58 min
